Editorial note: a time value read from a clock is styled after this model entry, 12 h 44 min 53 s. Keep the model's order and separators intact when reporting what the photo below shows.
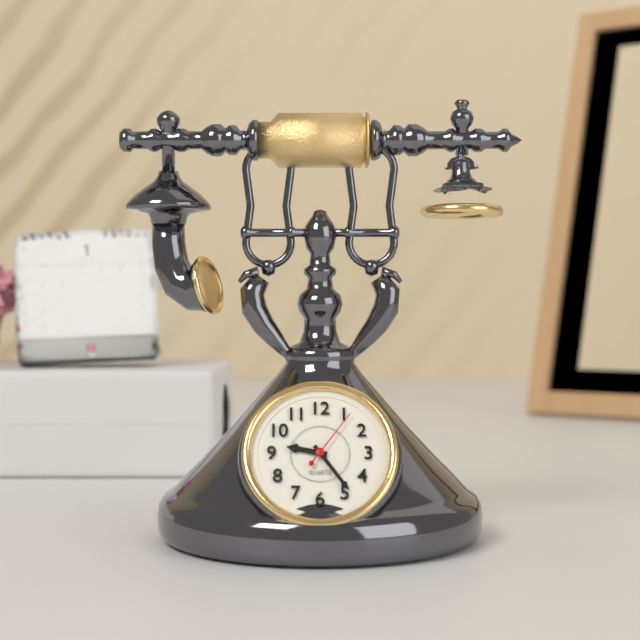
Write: 9 h 24 min 06 s
